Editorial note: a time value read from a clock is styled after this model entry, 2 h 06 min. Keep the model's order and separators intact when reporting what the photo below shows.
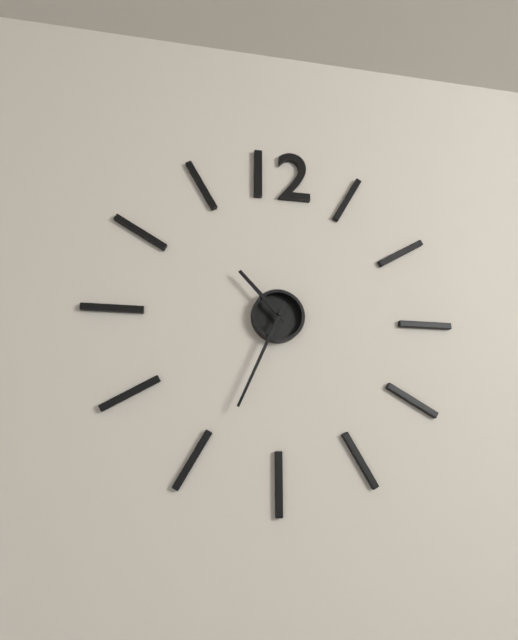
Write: 10 h 34 min
